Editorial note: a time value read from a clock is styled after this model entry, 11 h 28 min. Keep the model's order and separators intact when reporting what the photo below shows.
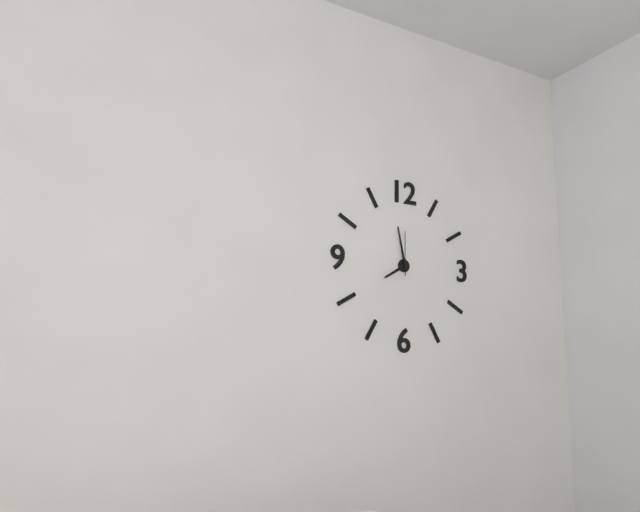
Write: 7 h 58 min
